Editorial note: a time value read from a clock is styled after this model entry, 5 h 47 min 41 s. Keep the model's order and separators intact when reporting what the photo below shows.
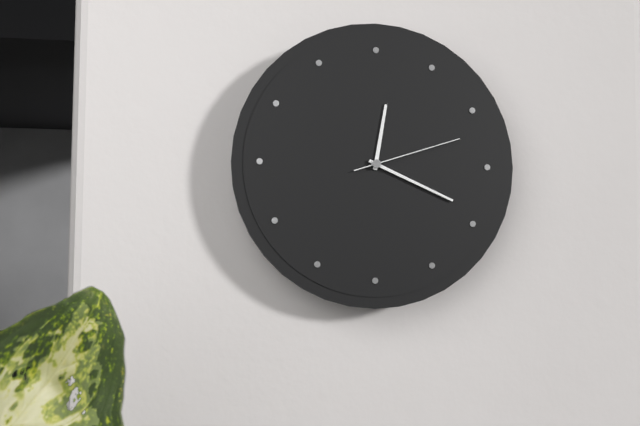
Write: 12 h 19 min 12 s
